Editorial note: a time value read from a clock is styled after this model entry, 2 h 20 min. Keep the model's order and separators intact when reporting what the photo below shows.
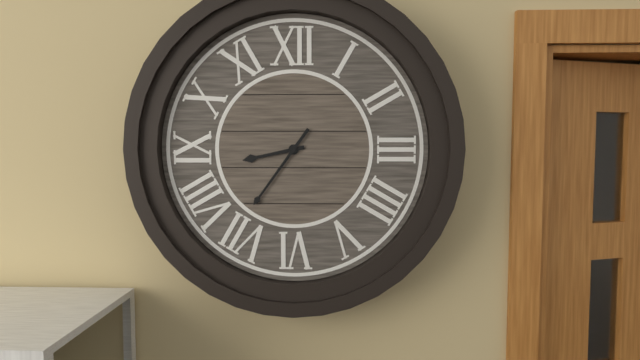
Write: 8 h 36 min
